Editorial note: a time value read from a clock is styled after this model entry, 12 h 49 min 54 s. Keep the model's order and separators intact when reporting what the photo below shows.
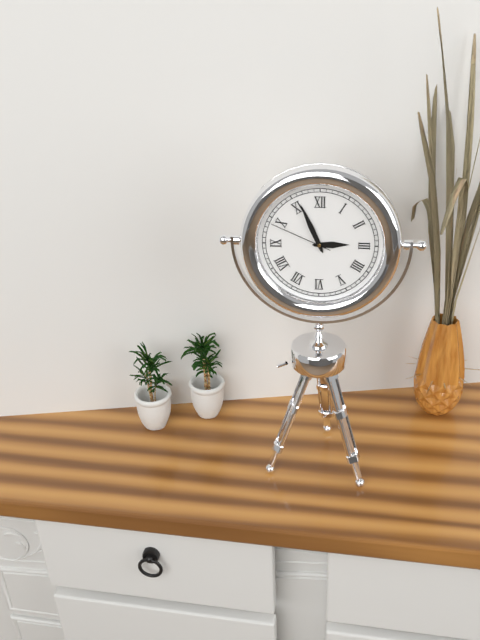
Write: 2 h 56 min 49 s
